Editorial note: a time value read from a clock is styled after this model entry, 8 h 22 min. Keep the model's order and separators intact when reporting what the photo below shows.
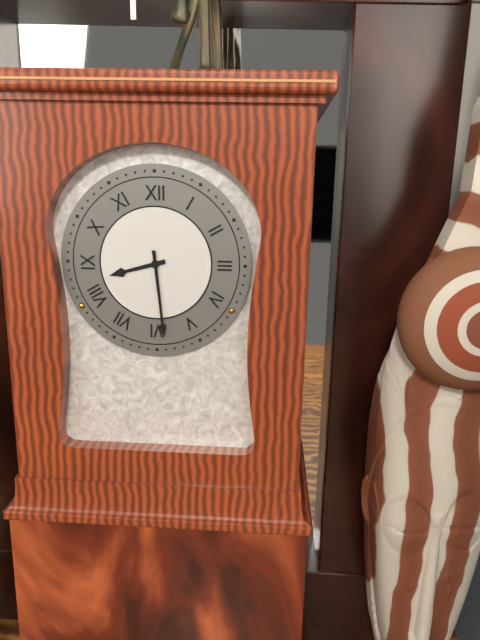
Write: 8 h 29 min
